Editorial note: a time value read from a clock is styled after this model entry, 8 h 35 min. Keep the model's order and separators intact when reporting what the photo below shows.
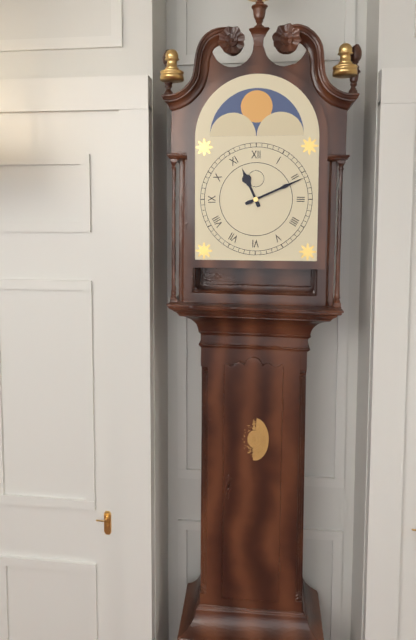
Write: 11 h 11 min
